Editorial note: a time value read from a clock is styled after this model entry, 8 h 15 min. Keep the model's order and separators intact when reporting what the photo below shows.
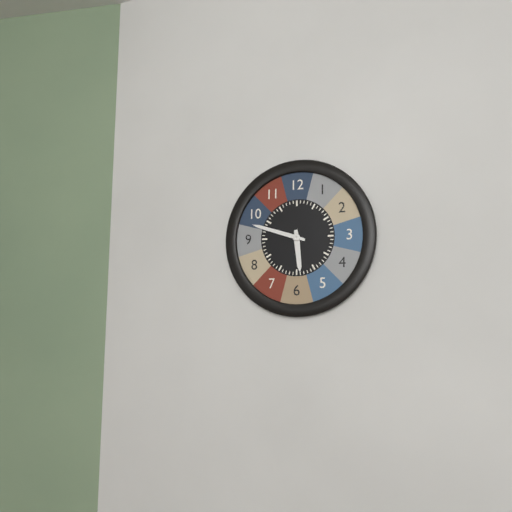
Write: 5 h 48 min
